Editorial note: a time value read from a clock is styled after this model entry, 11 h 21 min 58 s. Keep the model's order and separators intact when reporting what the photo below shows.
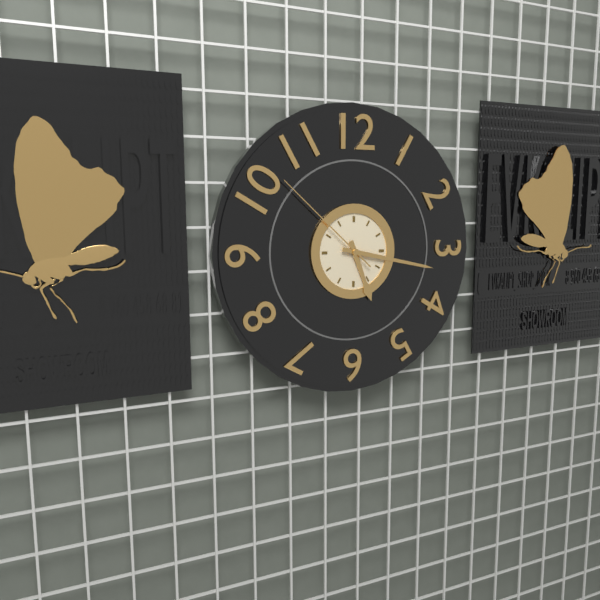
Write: 5 h 17 min 52 s
